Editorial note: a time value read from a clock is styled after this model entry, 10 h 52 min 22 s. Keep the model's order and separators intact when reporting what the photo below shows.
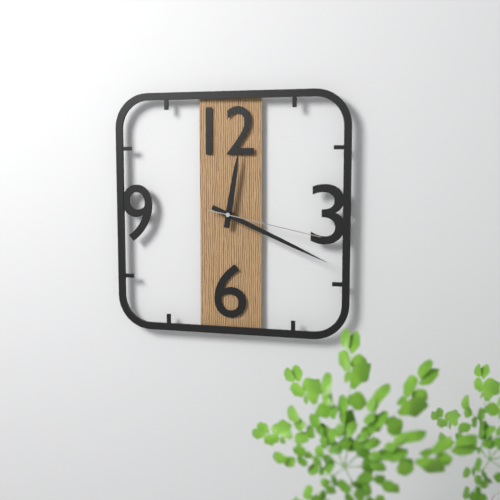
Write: 12 h 19 min 17 s
